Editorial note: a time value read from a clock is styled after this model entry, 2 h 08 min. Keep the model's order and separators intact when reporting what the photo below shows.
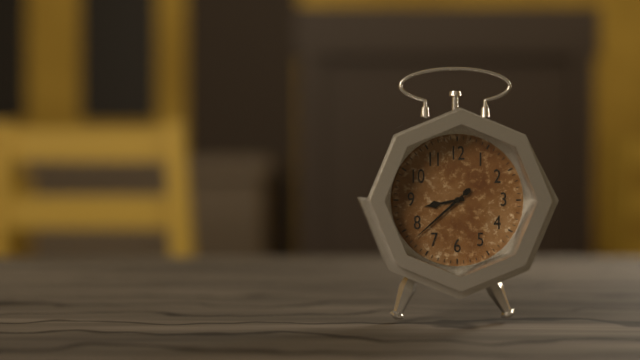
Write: 8 h 38 min
